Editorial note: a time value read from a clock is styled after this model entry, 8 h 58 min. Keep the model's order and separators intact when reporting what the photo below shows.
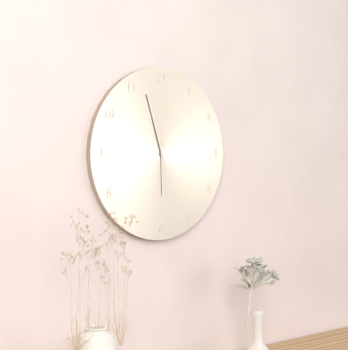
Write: 5 h 57 min
